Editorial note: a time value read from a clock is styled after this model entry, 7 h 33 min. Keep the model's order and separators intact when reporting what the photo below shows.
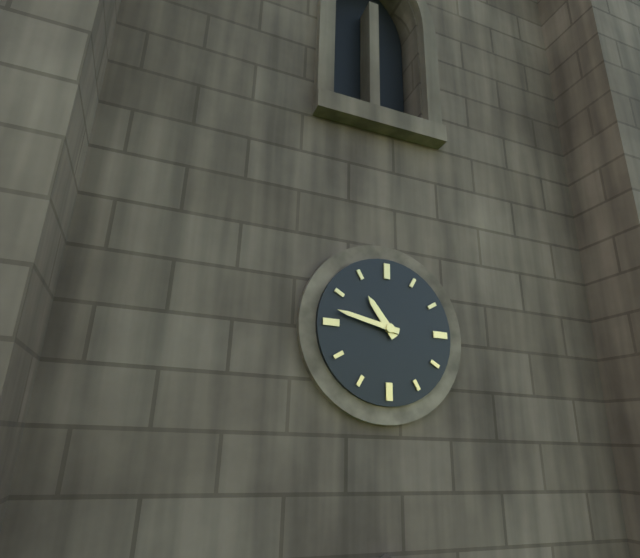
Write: 10 h 47 min
